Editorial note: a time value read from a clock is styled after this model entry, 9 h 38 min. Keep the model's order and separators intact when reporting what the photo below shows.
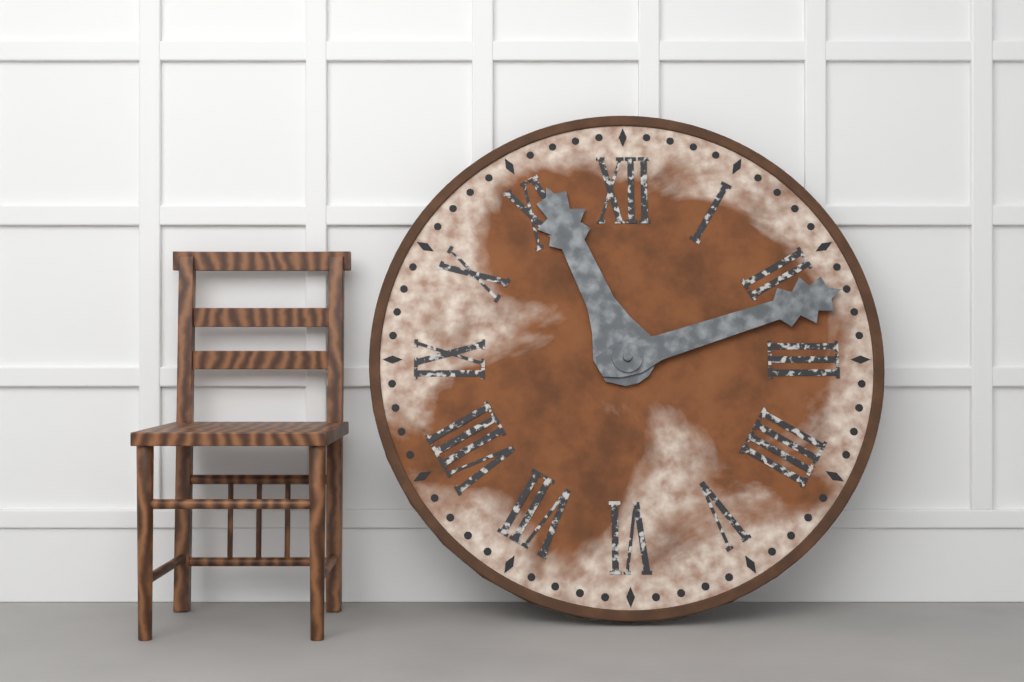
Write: 11 h 12 min
